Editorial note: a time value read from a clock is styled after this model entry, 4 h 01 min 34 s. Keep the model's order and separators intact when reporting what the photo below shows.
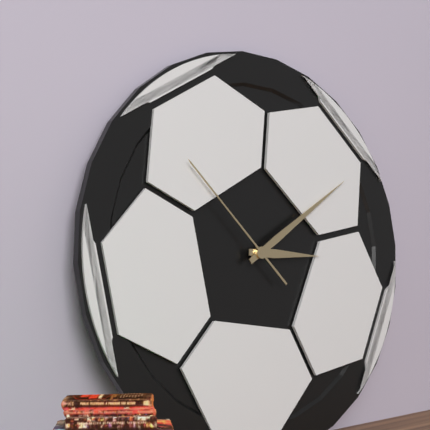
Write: 3 h 10 min 53 s
